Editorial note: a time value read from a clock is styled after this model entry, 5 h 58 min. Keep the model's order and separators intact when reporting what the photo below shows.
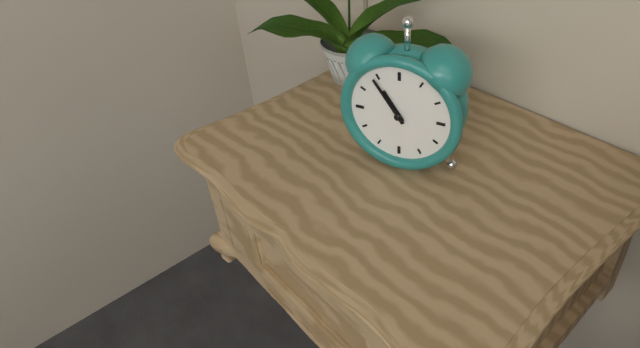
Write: 10 h 54 min
